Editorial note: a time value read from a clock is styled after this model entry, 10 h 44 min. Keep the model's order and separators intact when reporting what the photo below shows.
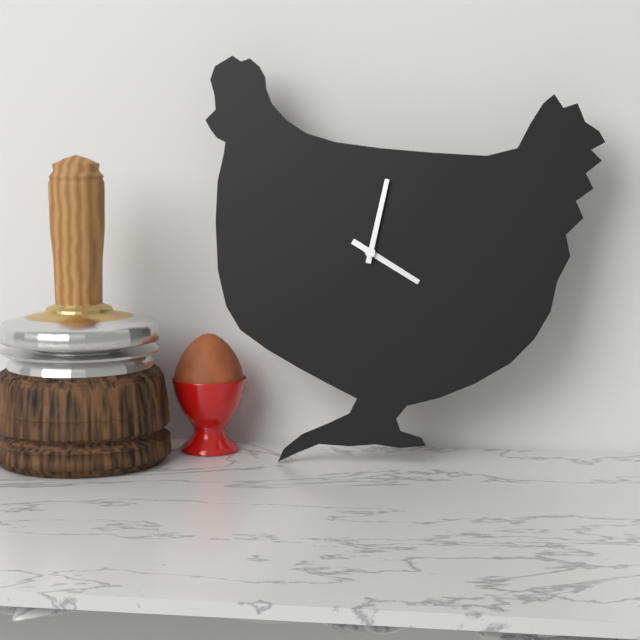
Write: 4 h 02 min
